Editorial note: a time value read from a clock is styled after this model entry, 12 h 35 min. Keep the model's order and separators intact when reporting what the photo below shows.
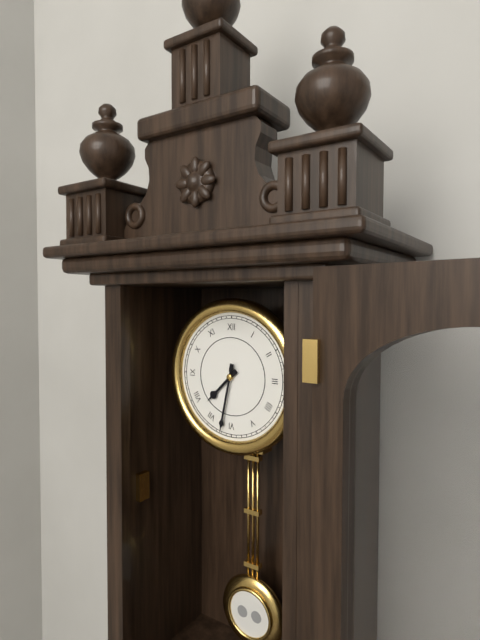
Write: 7 h 32 min
